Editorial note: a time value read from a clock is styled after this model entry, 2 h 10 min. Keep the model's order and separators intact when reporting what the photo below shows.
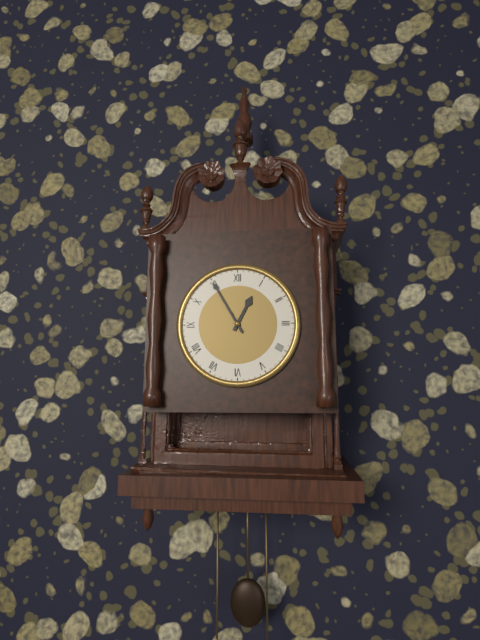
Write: 12 h 55 min
